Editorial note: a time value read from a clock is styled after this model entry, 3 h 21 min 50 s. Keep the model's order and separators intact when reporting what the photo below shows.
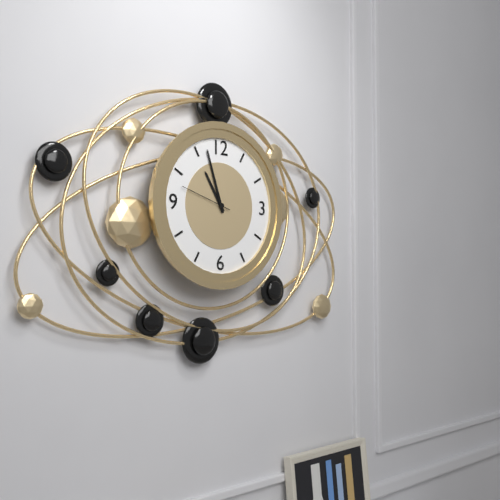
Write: 10 h 57 min 48 s
